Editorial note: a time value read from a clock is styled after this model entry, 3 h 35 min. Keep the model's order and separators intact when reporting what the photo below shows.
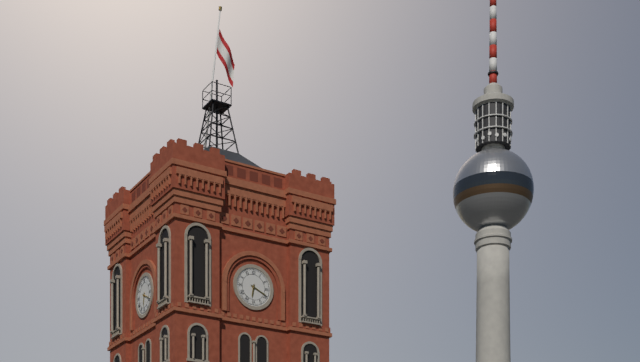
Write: 6 h 19 min
